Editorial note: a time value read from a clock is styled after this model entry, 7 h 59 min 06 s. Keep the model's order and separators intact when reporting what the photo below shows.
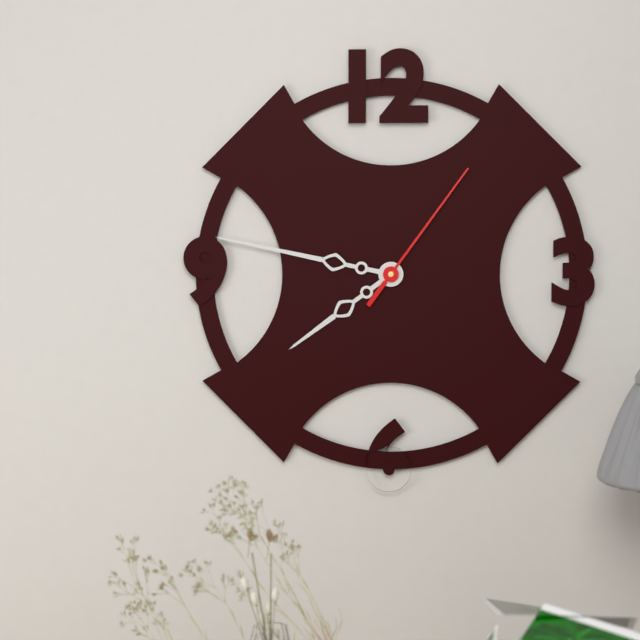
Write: 7 h 47 min 06 s
